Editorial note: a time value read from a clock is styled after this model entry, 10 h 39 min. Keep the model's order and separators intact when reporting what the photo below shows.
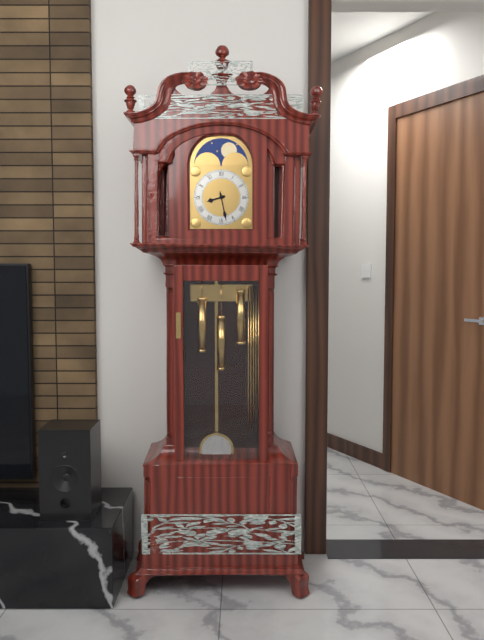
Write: 8 h 28 min
